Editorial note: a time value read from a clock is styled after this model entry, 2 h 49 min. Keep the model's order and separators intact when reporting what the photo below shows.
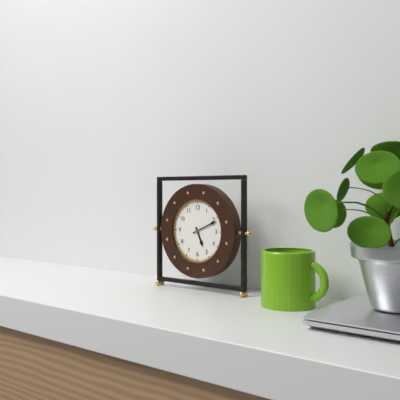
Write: 5 h 11 min
